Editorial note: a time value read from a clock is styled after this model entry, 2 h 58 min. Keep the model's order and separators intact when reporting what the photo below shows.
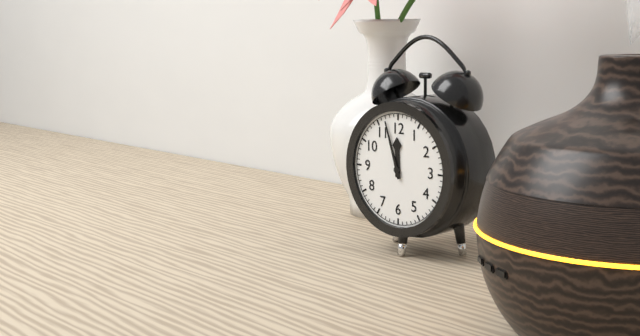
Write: 11 h 57 min
